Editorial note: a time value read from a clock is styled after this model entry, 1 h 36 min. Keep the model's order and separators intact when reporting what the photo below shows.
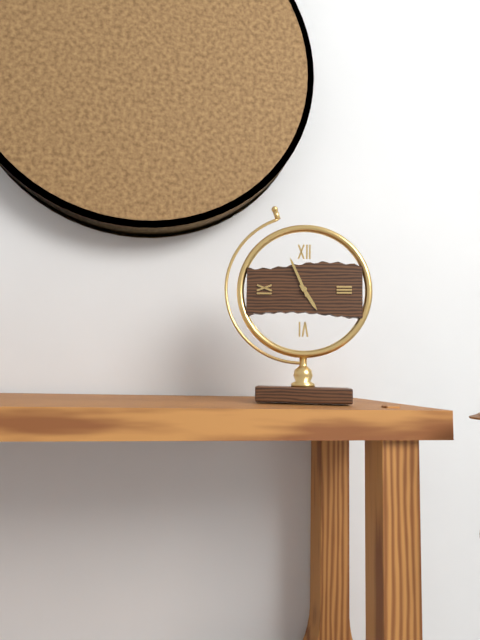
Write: 4 h 56 min
